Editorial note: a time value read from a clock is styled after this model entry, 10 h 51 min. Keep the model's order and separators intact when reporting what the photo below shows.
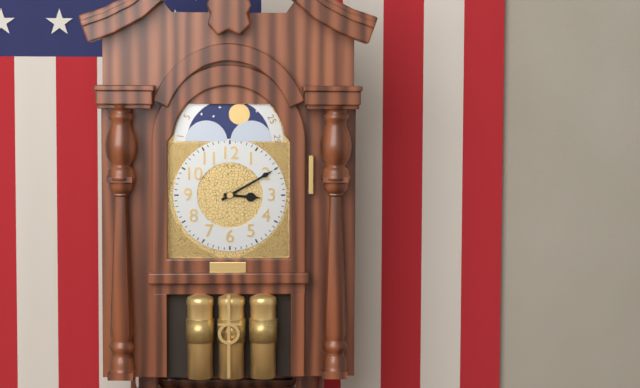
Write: 3 h 10 min
